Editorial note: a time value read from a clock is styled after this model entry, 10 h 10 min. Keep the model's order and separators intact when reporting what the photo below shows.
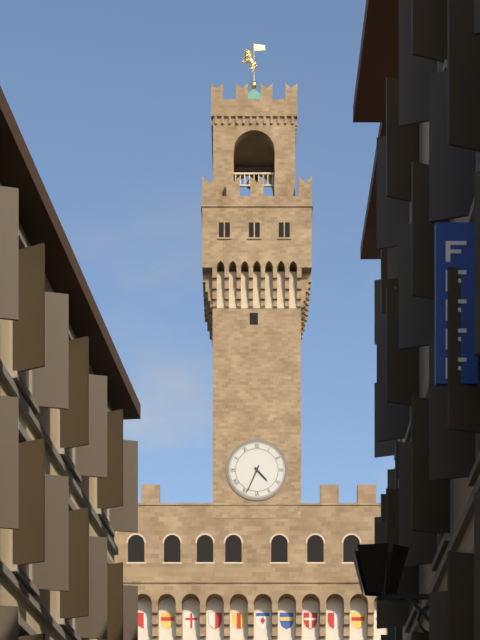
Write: 4 h 34 min
